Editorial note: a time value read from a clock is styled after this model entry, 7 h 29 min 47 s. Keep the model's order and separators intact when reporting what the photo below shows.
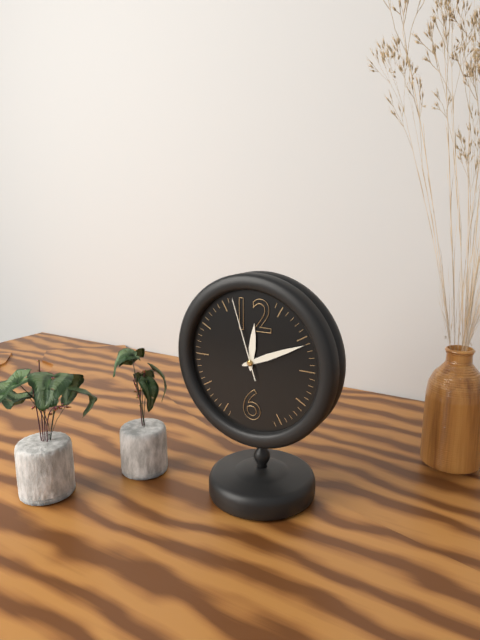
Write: 12 h 11 min 57 s
